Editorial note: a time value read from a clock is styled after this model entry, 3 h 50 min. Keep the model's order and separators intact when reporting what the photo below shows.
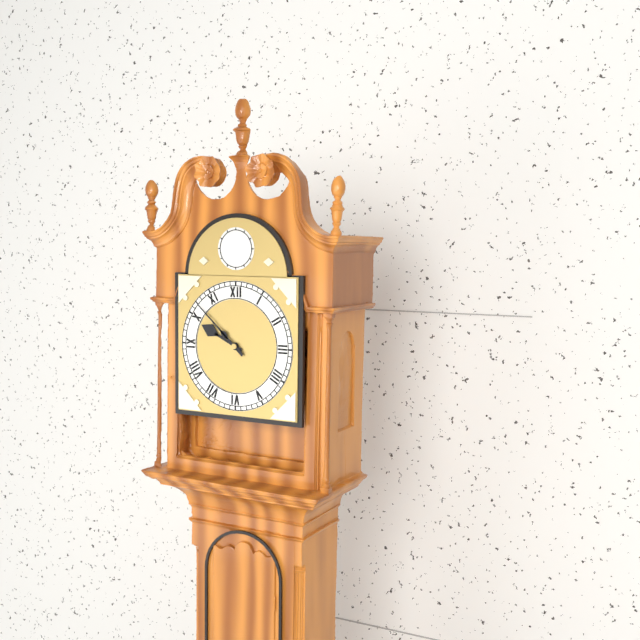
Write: 9 h 52 min
